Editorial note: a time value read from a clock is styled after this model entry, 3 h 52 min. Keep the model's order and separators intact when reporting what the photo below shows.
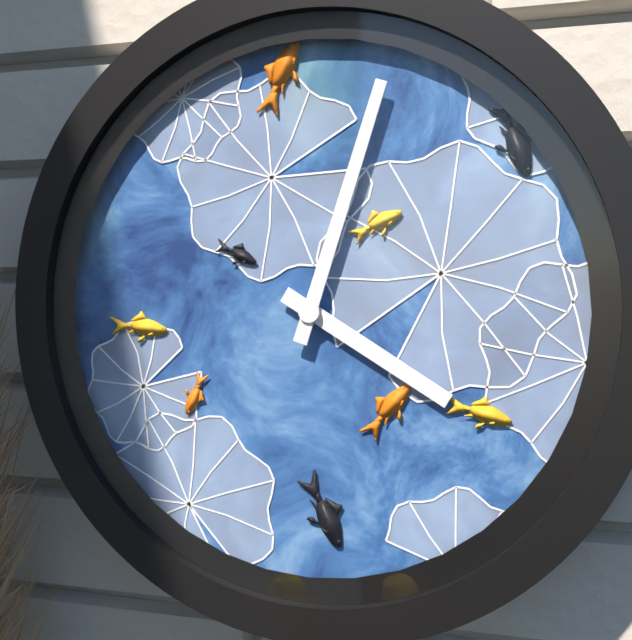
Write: 4 h 03 min
